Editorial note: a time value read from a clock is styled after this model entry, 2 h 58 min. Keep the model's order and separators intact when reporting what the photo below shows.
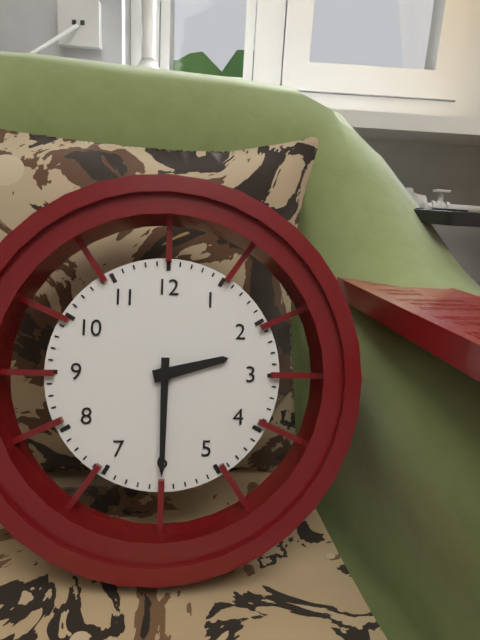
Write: 2 h 30 min
